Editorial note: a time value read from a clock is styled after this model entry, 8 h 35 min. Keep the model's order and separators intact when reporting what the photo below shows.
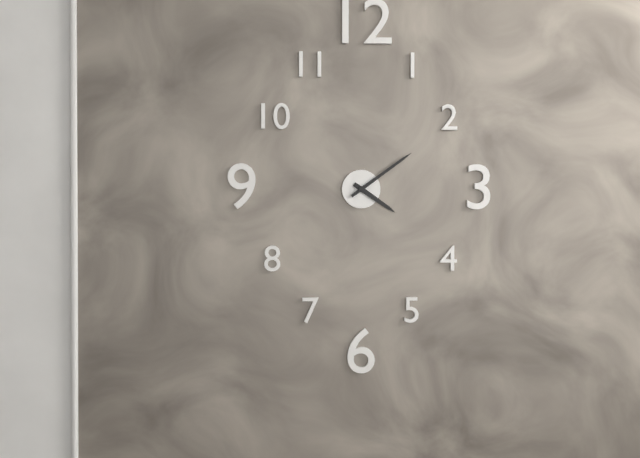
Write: 4 h 09 min
